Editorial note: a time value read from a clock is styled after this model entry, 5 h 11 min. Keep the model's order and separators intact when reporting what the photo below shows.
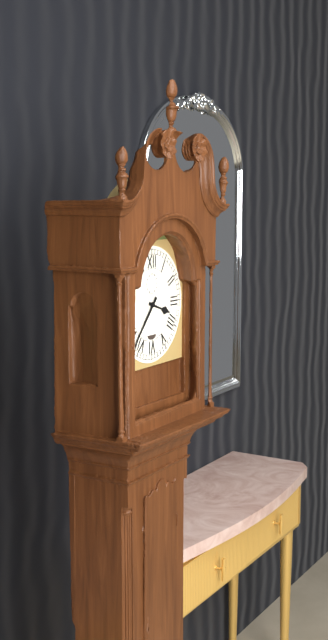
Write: 3 h 37 min
